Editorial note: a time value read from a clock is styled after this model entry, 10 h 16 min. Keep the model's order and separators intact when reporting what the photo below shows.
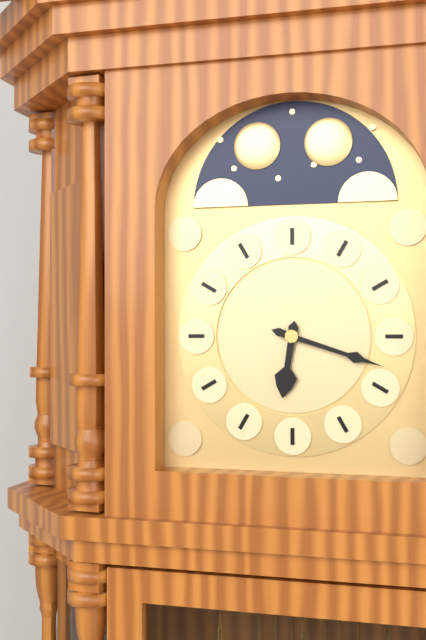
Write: 6 h 18 min
